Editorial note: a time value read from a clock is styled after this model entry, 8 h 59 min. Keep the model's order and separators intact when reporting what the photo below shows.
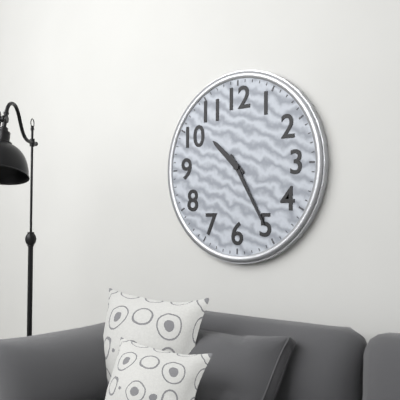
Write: 10 h 25 min
